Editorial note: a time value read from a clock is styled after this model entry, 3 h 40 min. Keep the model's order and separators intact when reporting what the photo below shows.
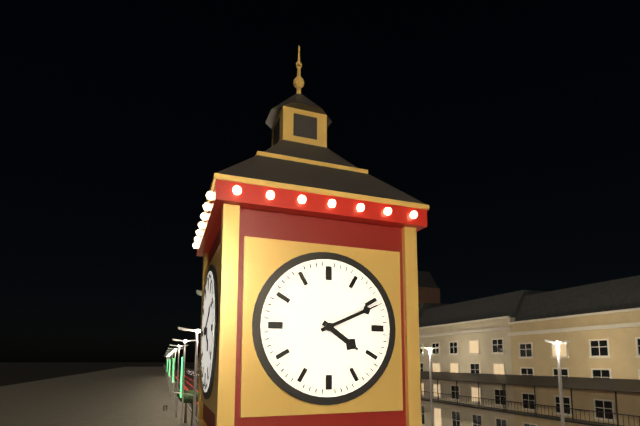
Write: 4 h 11 min
